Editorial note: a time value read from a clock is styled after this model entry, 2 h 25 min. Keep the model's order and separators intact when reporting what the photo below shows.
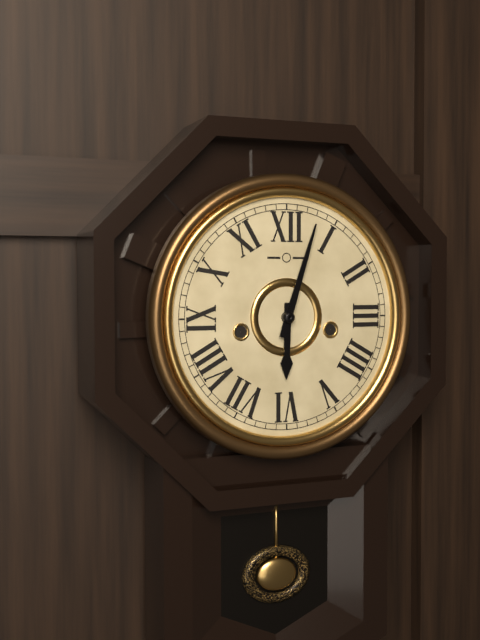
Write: 6 h 03 min
